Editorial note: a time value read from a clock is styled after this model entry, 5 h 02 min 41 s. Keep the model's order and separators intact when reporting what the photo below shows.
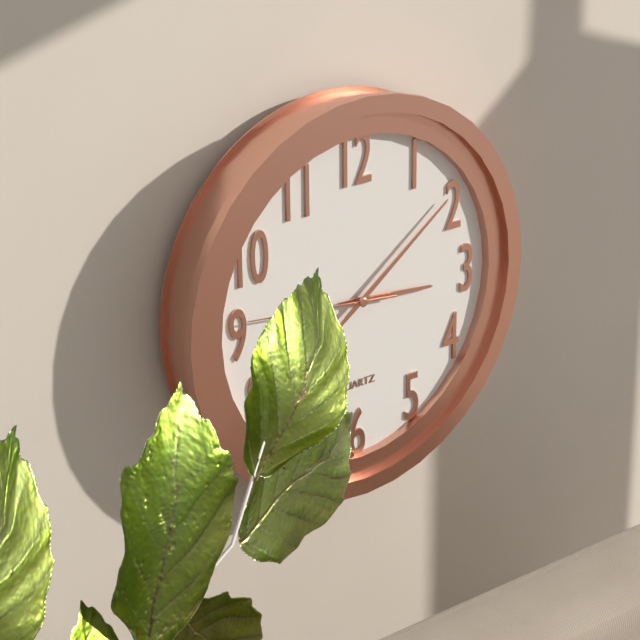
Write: 3 h 09 min 46 s
